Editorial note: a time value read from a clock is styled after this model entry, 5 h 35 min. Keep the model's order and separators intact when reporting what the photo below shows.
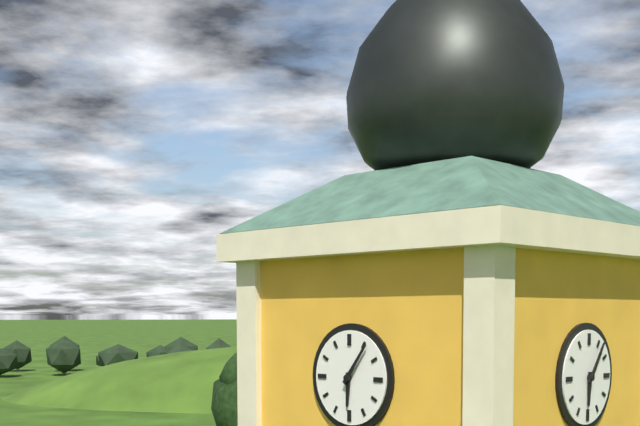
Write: 6 h 06 min
